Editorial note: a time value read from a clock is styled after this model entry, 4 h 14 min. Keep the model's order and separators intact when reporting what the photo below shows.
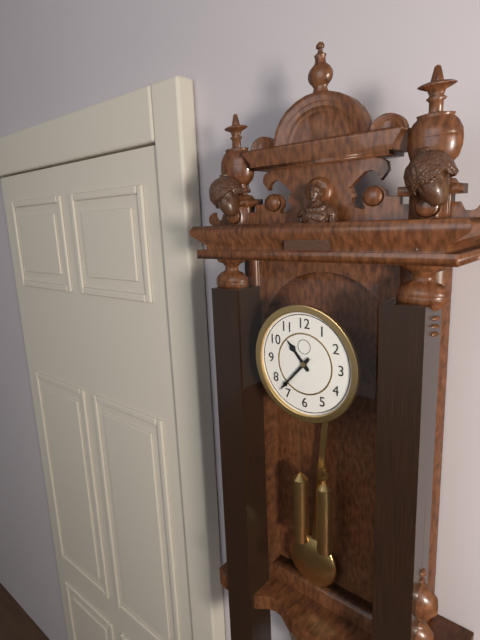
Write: 10 h 37 min
